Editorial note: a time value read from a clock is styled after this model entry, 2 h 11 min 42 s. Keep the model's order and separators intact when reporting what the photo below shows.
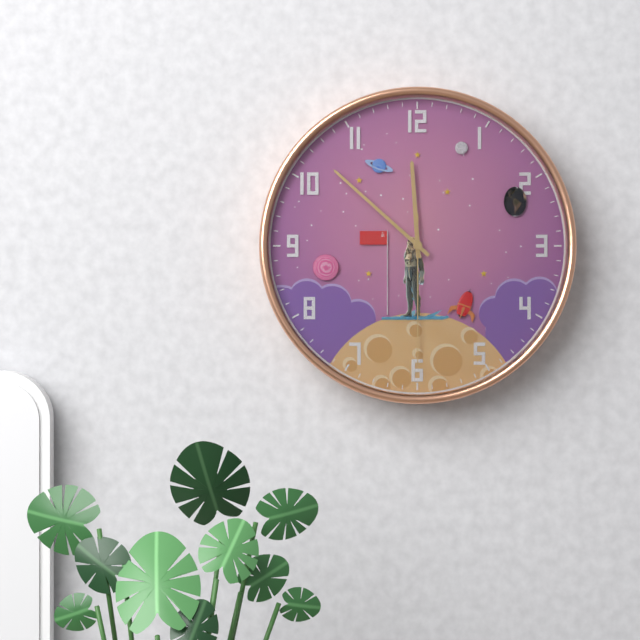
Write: 11 h 52 min 30 s
